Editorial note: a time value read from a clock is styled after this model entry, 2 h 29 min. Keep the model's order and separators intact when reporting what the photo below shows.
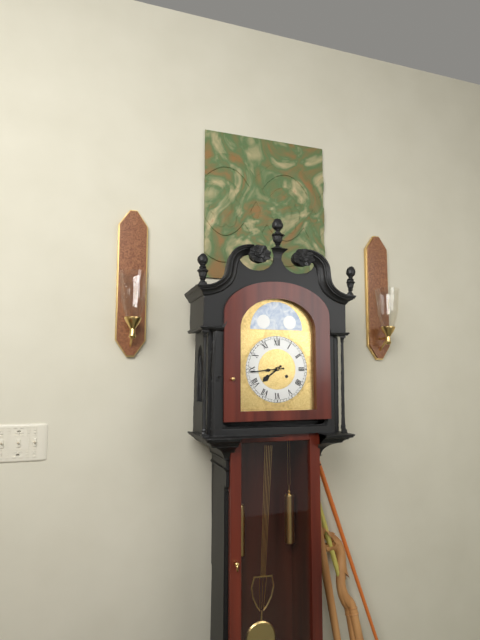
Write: 7 h 44 min
